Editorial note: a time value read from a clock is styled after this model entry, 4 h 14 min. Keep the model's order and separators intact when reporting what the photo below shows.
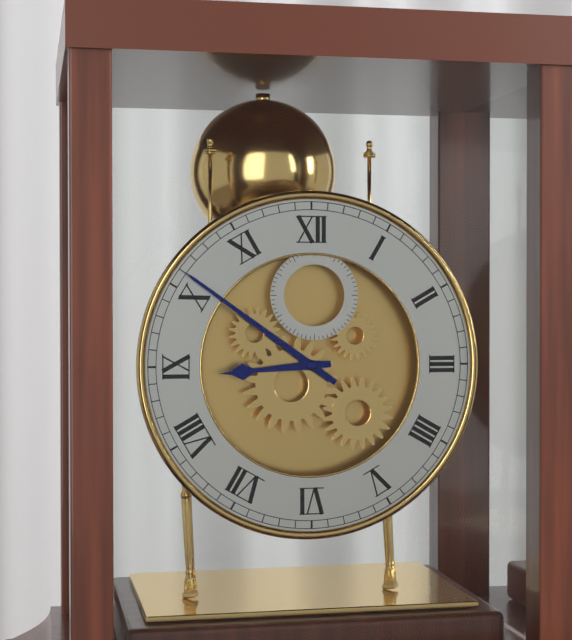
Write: 8 h 51 min
